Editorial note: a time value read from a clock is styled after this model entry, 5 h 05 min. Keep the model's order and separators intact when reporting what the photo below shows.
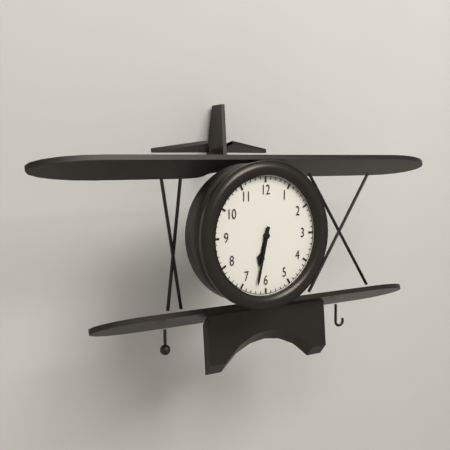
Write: 6 h 32 min
